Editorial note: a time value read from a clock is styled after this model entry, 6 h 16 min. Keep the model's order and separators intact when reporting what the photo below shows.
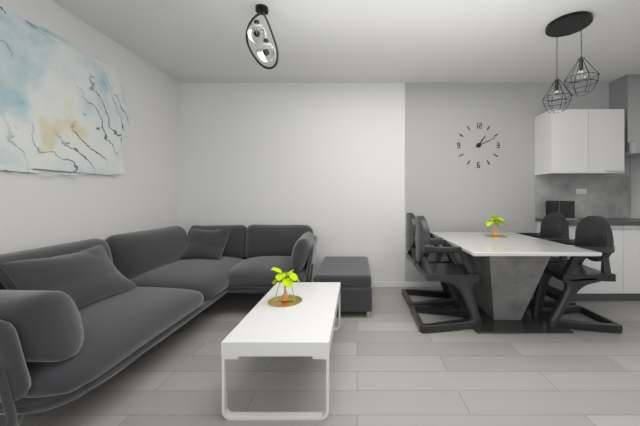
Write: 1 h 11 min
